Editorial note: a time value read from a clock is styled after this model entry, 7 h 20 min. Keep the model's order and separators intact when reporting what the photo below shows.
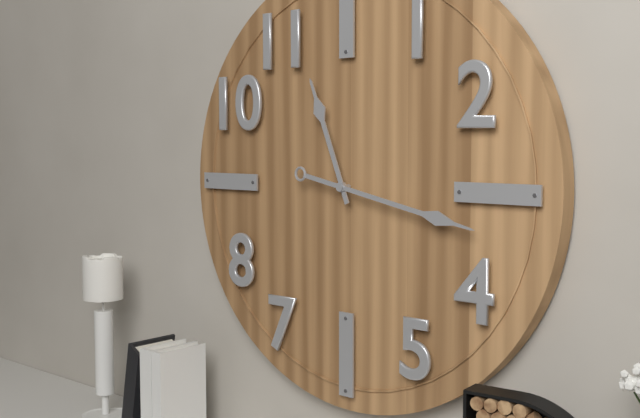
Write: 11 h 17 min
